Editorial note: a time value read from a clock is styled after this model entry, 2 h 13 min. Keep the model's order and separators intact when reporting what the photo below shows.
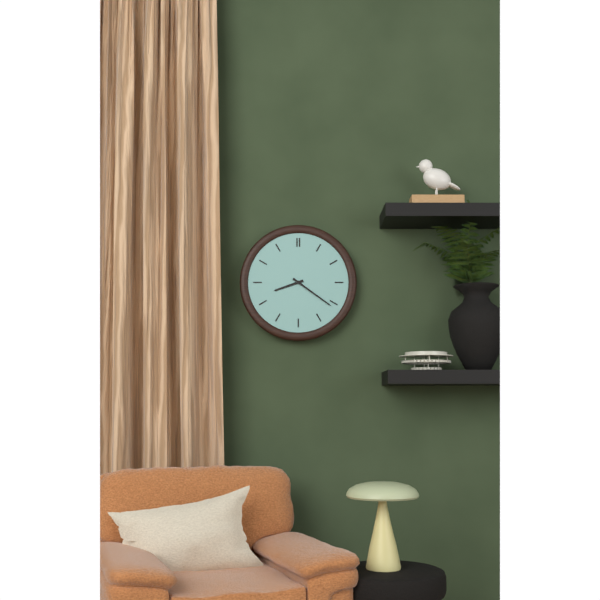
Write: 8 h 21 min
